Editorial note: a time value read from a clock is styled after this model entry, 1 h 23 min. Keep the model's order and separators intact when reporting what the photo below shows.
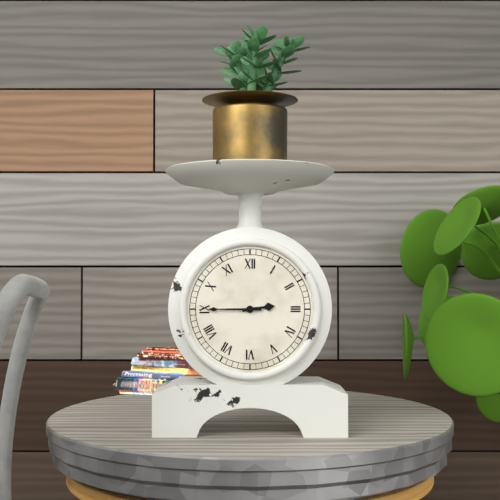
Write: 2 h 45 min
